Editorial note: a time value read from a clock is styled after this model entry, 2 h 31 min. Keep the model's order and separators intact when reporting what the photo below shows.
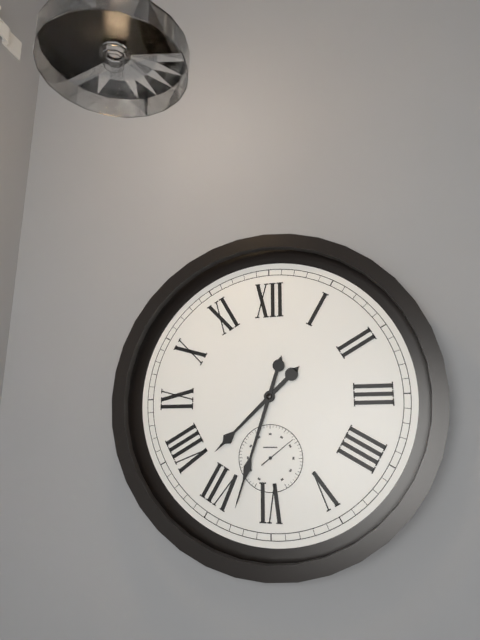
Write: 7 h 33 min
